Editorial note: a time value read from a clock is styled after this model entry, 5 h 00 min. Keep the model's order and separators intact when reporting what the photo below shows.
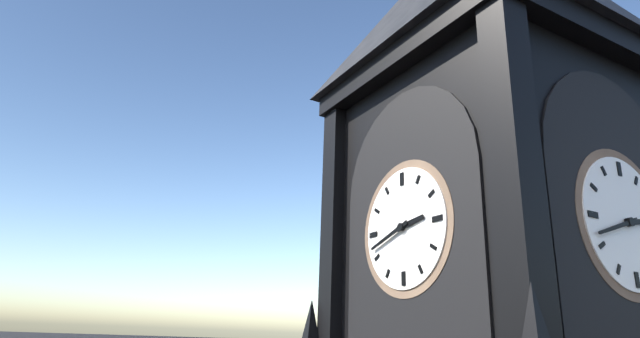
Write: 2 h 42 min
